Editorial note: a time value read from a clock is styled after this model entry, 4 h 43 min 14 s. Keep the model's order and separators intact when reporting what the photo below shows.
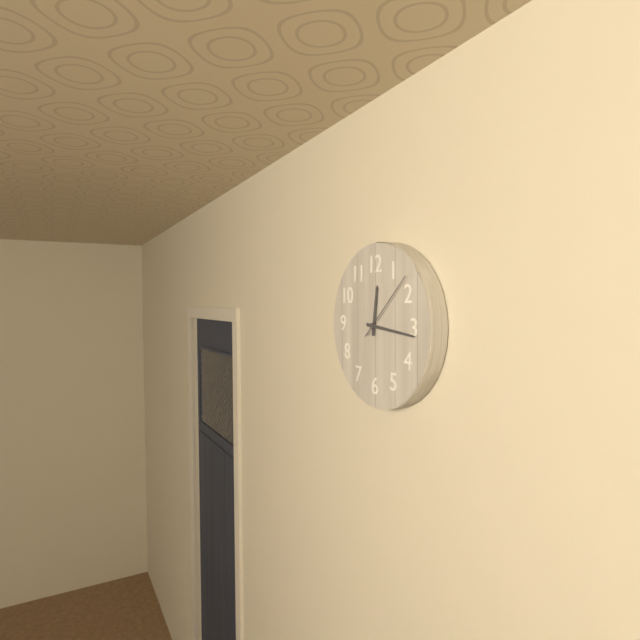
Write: 12 h 16 min 08 s
